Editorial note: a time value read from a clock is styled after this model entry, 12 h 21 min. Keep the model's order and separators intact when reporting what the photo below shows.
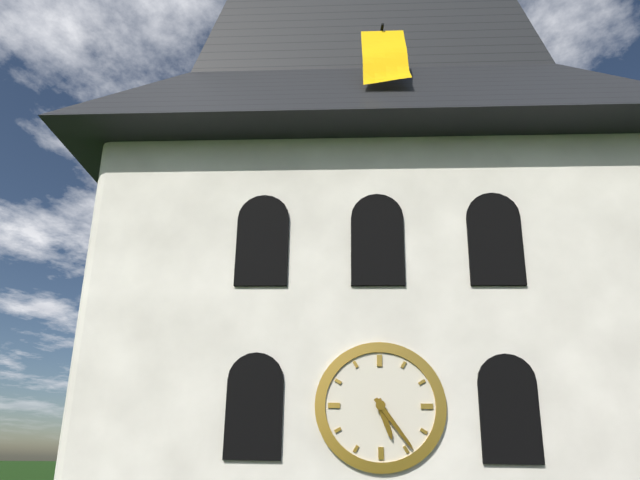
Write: 5 h 24 min
